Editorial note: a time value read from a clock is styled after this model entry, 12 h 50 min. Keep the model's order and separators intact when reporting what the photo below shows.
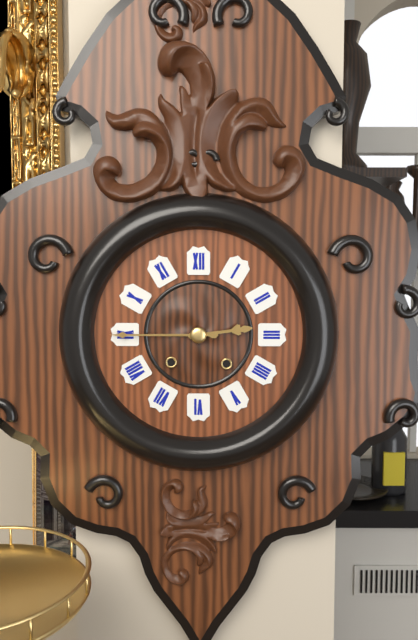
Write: 2 h 45 min
